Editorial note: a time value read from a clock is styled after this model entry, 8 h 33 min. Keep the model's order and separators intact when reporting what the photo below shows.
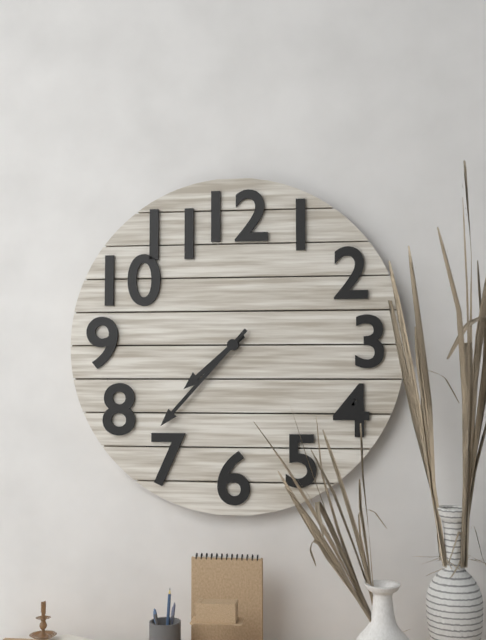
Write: 7 h 37 min
